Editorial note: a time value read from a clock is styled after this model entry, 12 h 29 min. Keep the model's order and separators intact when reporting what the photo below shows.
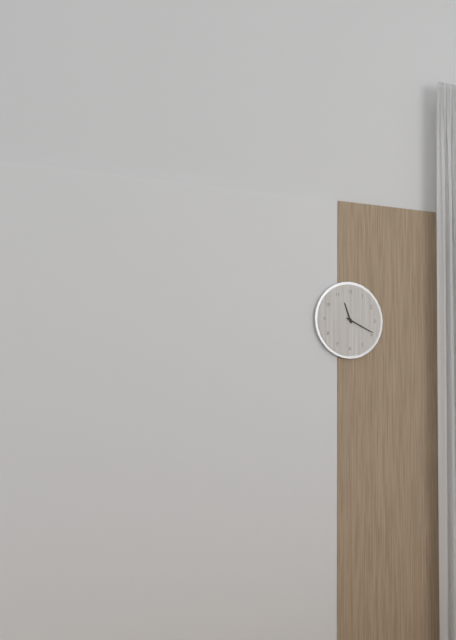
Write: 11 h 19 min
